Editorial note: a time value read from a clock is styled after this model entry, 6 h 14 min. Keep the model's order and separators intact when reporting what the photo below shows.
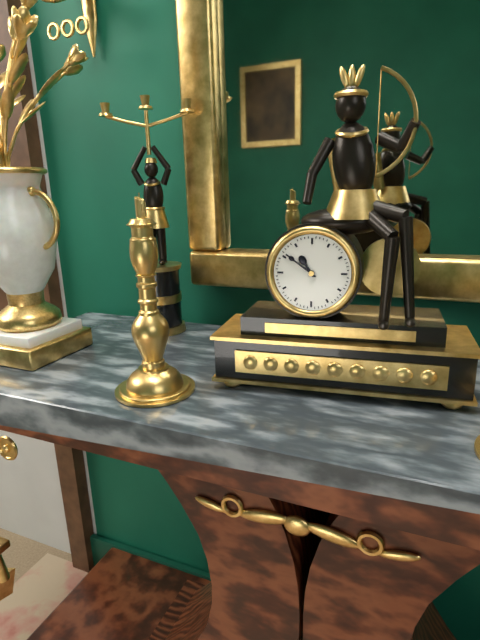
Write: 10 h 51 min
